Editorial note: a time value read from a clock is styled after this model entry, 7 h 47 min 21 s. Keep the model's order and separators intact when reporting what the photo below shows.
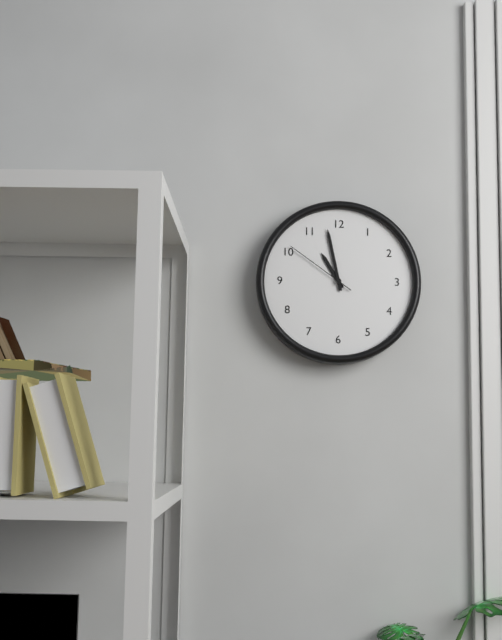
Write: 10 h 58 min 51 s
